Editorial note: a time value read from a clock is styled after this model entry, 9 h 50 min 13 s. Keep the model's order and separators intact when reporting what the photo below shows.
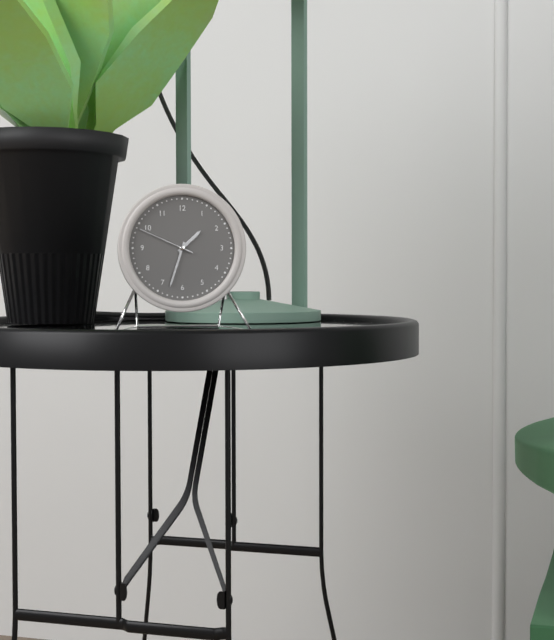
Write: 1 h 33 min 49 s
